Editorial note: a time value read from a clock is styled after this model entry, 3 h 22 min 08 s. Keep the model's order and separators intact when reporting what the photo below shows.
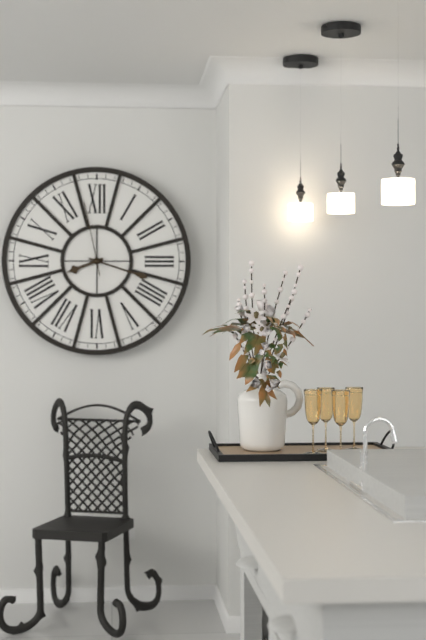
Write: 8 h 18 min 58 s
